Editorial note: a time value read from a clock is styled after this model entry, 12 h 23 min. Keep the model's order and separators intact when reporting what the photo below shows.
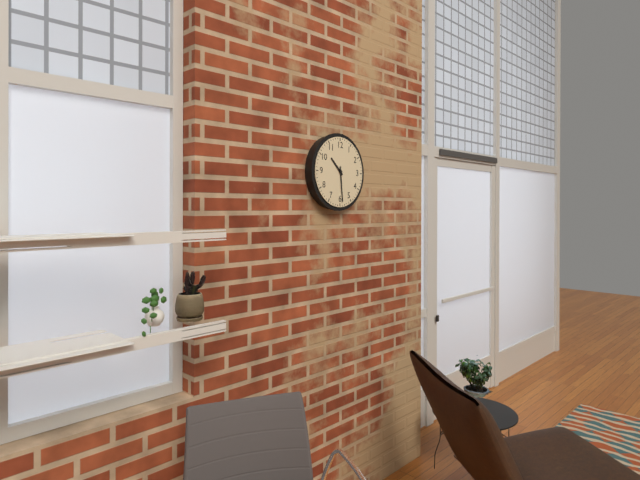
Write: 10 h 29 min
